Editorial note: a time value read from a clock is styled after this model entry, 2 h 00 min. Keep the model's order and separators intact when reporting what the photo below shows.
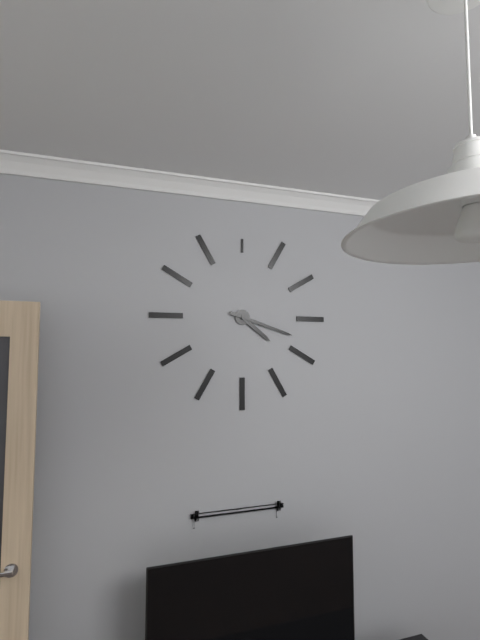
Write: 4 h 18 min
